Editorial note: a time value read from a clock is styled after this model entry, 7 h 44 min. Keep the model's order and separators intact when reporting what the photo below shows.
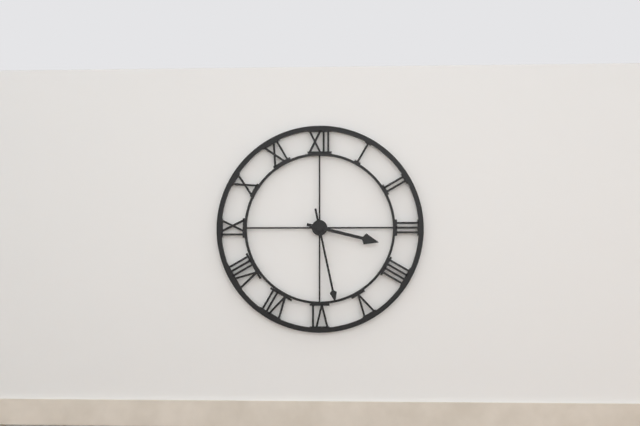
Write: 3 h 28 min
